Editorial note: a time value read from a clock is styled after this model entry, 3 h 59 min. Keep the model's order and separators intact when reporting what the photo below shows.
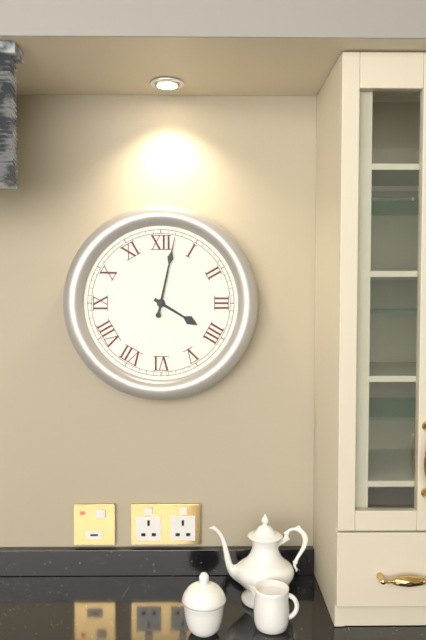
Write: 4 h 02 min
